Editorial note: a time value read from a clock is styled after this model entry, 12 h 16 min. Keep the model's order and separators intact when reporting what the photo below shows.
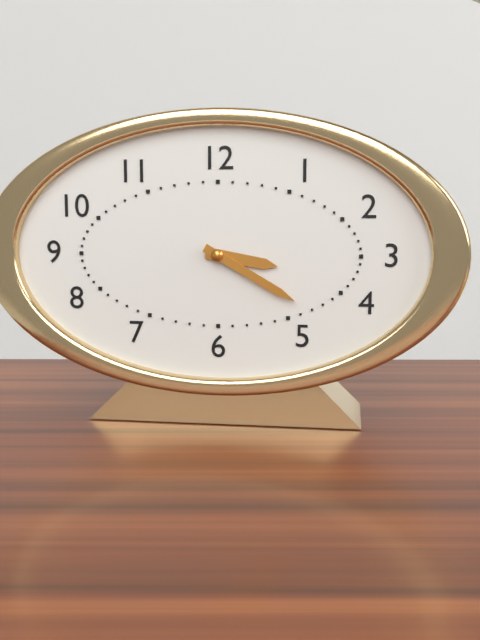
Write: 3 h 20 min
